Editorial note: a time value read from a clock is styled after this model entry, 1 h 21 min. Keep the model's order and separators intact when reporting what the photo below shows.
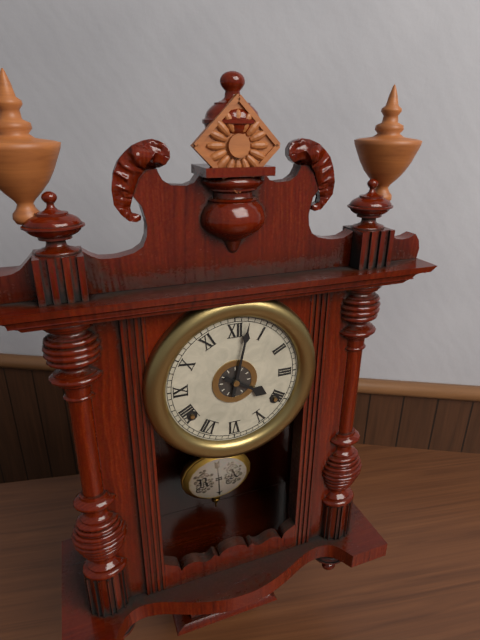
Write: 4 h 02 min
